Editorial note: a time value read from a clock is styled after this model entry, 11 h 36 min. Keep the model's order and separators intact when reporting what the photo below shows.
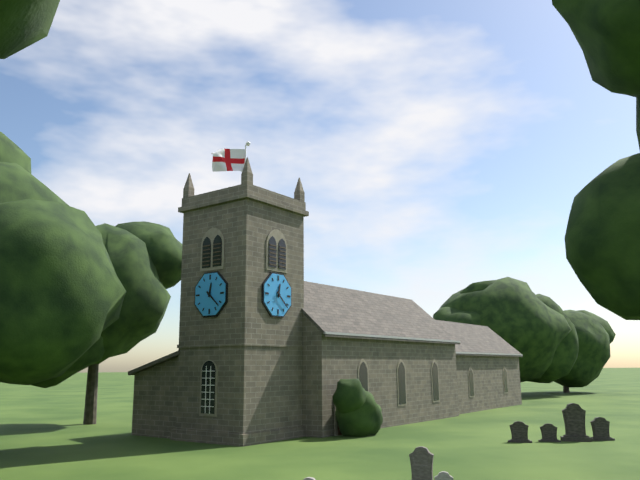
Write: 12 h 22 min
